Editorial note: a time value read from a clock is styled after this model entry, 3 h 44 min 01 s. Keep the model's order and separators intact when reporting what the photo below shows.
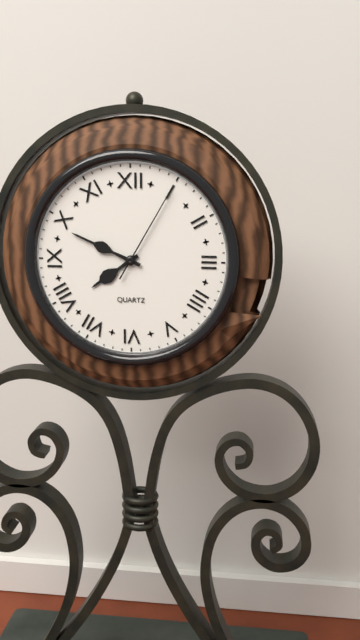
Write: 7 h 49 min 05 s
